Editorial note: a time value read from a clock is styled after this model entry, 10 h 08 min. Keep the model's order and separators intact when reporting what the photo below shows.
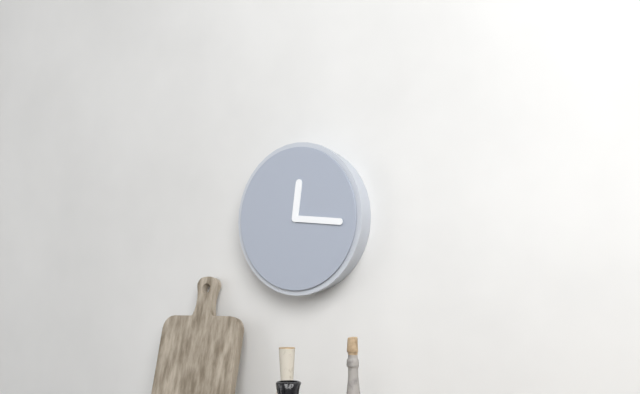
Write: 12 h 16 min
